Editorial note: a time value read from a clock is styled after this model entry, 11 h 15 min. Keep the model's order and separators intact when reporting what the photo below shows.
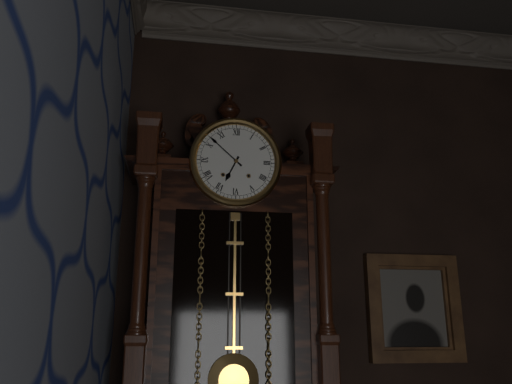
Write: 6 h 52 min
